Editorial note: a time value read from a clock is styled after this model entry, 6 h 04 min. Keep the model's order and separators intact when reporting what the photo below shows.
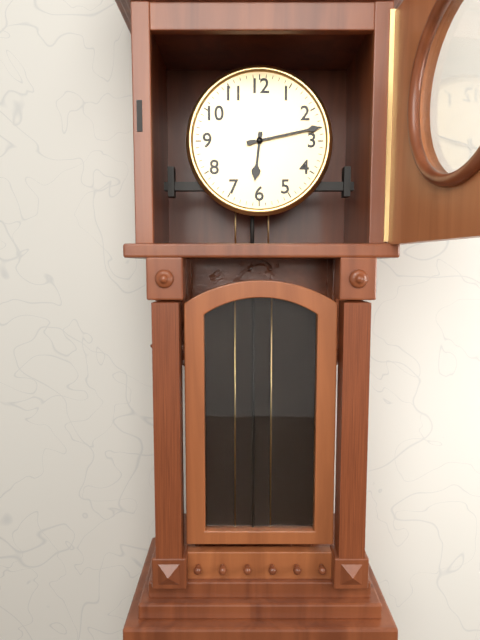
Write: 6 h 13 min
